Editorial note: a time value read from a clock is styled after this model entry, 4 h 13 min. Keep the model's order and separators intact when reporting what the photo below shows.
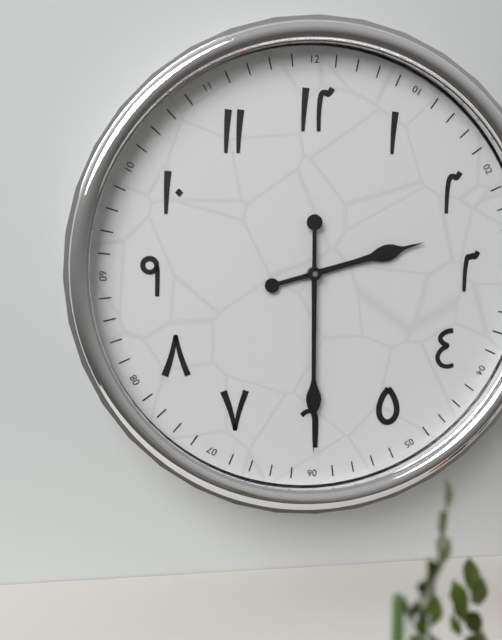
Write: 2 h 30 min
